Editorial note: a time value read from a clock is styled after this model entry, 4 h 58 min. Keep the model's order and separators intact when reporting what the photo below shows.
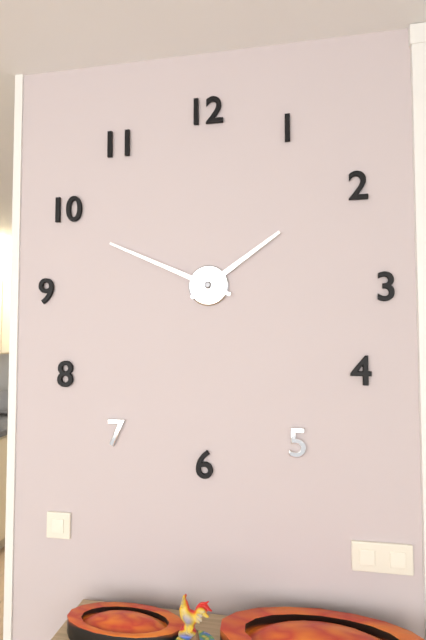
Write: 1 h 49 min
